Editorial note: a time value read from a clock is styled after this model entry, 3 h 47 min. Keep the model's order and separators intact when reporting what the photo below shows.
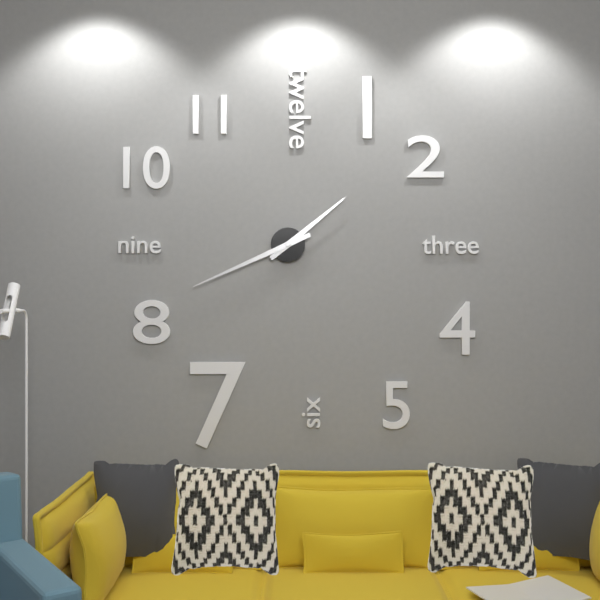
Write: 1 h 41 min
